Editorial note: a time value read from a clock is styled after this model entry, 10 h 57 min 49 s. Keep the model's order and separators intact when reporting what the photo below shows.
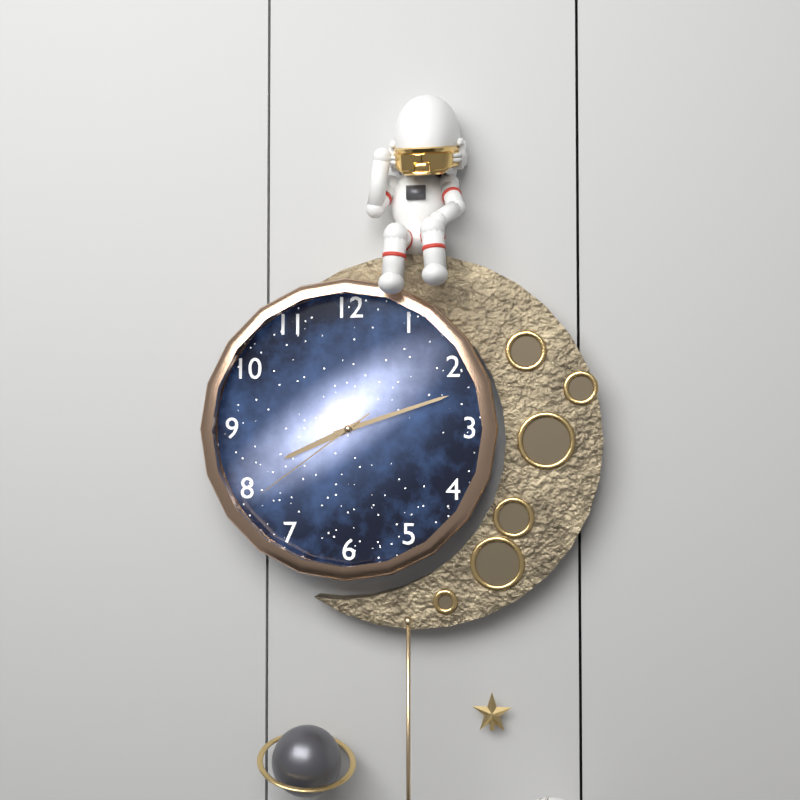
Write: 8 h 12 min 39 s
